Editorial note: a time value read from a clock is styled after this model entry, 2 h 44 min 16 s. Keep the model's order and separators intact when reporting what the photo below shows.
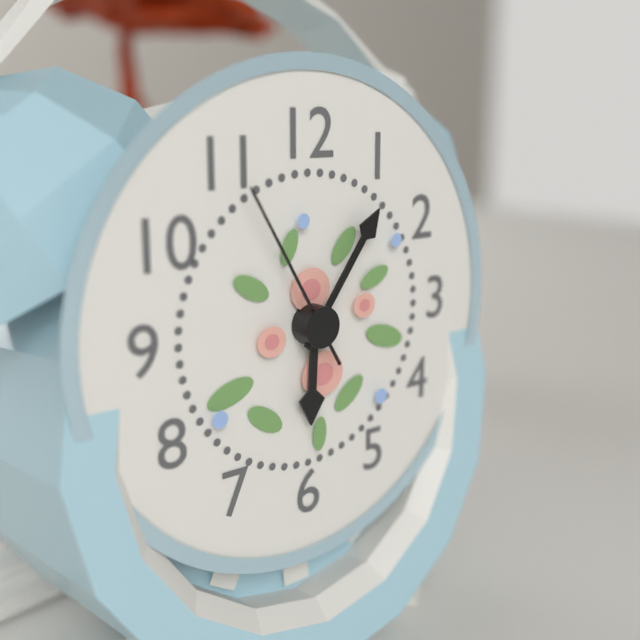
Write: 6 h 06 min 55 s
